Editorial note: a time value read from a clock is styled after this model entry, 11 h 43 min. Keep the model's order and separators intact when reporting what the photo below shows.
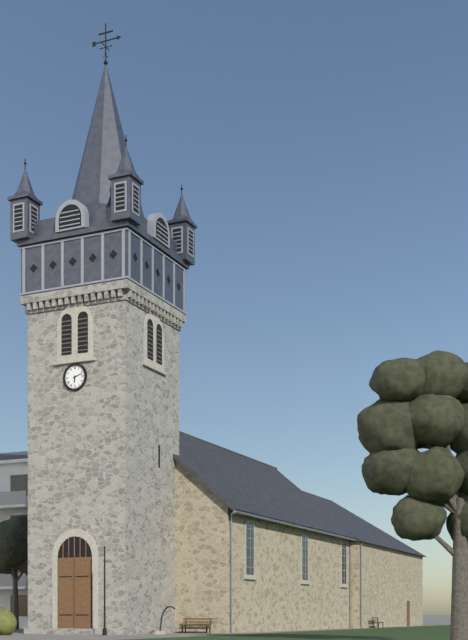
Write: 6 h 12 min
